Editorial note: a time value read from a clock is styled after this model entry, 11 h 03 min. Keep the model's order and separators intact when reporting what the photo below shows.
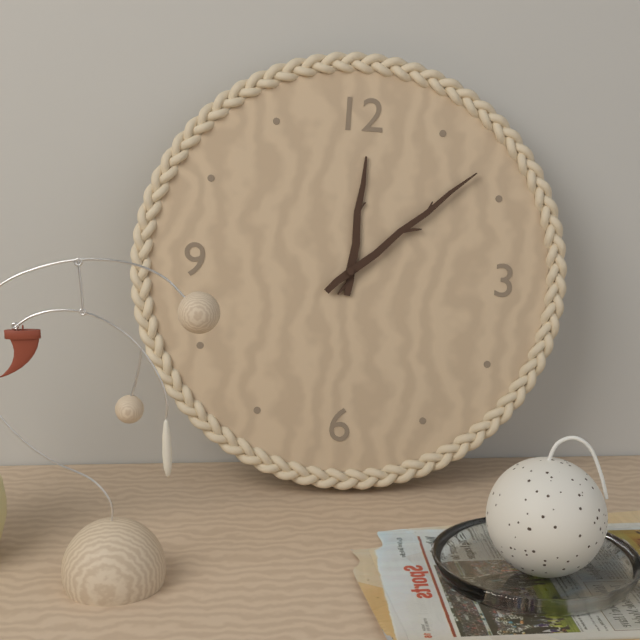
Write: 12 h 08 min
